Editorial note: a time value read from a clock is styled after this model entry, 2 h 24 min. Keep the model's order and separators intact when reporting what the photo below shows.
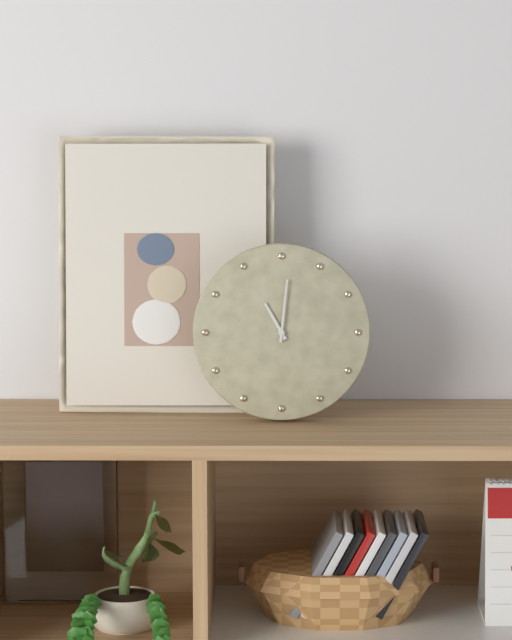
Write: 11 h 01 min
